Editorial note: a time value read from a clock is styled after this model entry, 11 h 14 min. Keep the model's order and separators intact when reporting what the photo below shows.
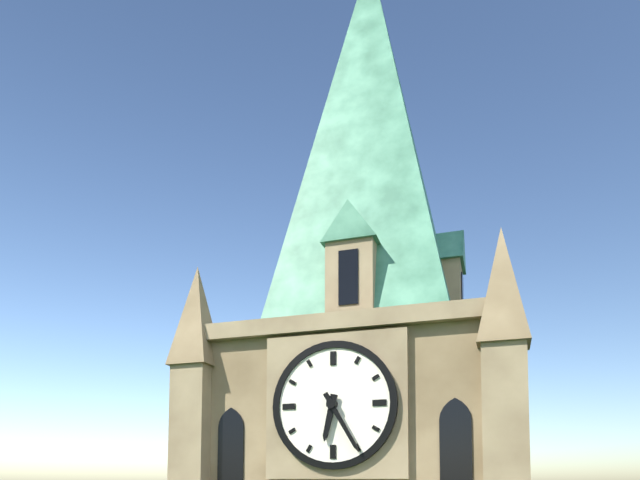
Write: 6 h 25 min
